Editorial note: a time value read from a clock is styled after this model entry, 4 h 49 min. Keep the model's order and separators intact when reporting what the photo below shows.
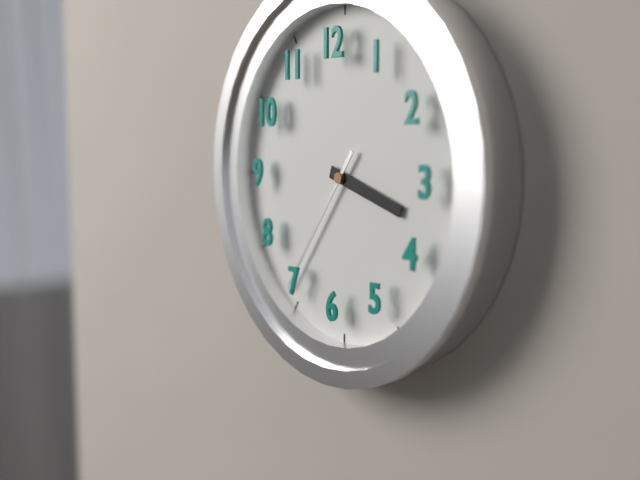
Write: 3 h 36 min
